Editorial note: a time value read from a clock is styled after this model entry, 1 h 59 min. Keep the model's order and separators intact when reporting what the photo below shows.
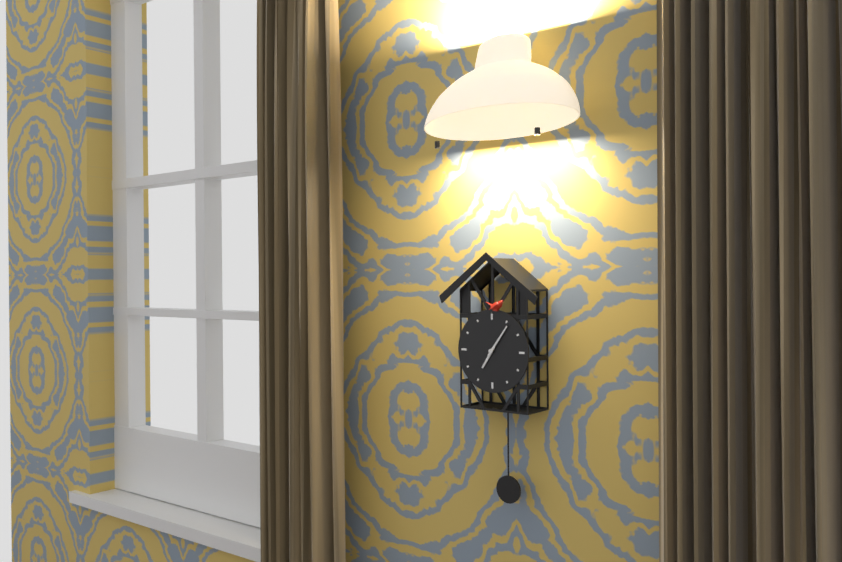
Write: 7 h 06 min
